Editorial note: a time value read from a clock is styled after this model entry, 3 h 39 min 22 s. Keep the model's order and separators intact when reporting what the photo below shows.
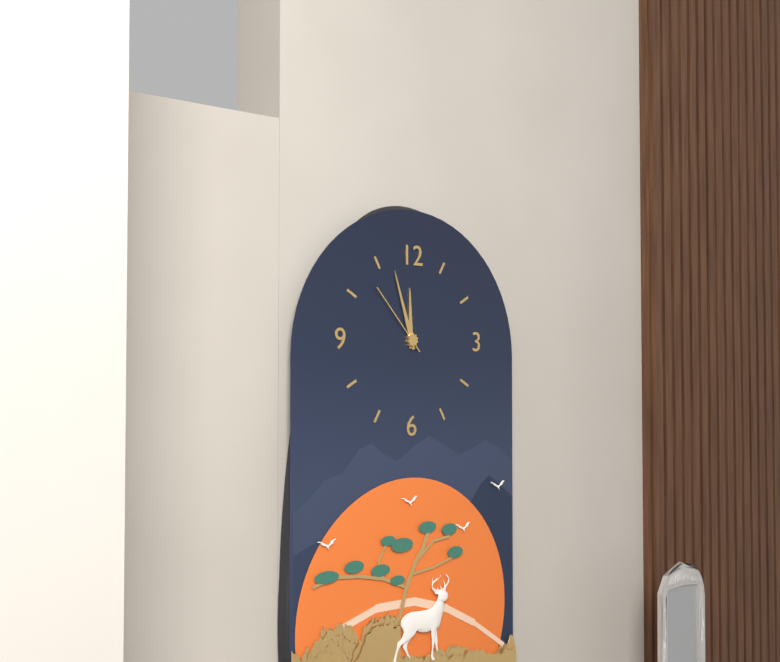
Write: 11 h 57 min 53 s
